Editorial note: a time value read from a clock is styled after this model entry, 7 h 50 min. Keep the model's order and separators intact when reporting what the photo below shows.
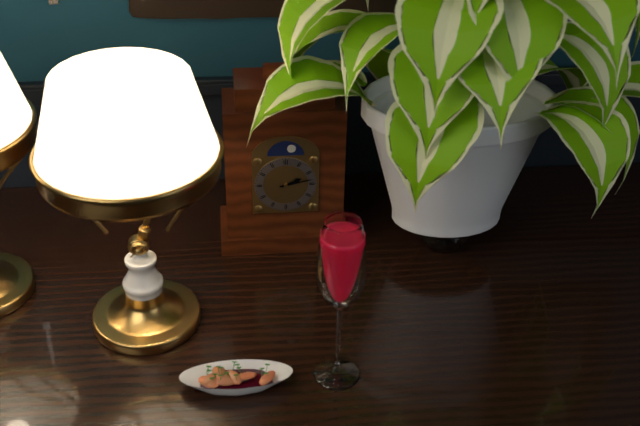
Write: 2 h 13 min
